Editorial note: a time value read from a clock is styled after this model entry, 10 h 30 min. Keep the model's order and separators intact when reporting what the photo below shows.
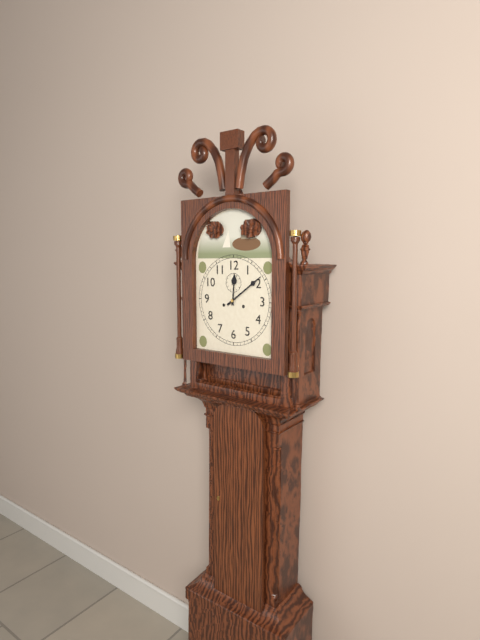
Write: 12 h 09 min
